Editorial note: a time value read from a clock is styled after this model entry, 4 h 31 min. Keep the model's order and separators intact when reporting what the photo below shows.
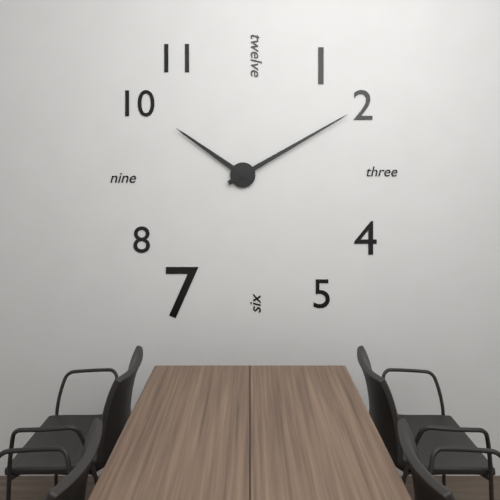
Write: 10 h 10 min
